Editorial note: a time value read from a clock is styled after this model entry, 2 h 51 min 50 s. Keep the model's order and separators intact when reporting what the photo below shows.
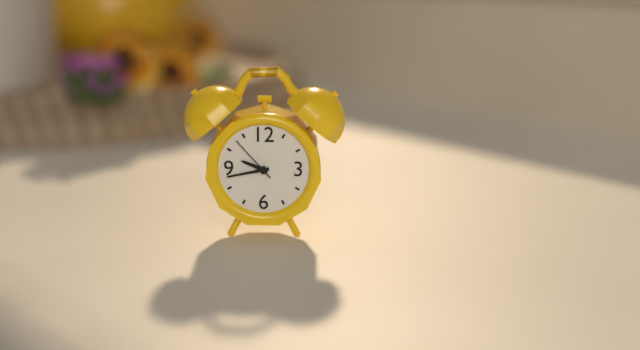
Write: 9 h 43 min 53 s
